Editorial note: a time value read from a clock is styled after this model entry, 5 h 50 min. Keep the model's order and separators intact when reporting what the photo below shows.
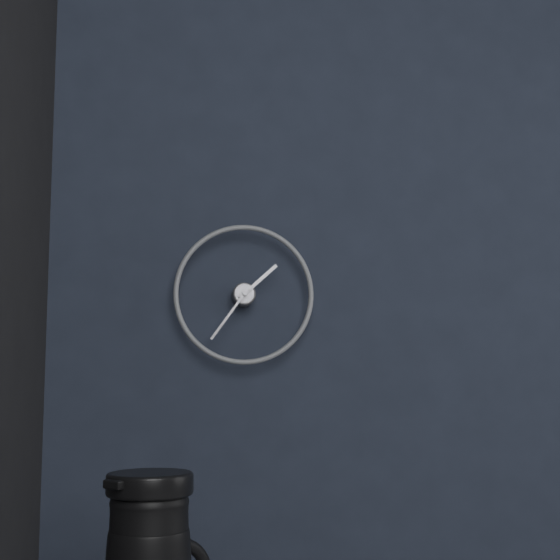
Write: 1 h 36 min
